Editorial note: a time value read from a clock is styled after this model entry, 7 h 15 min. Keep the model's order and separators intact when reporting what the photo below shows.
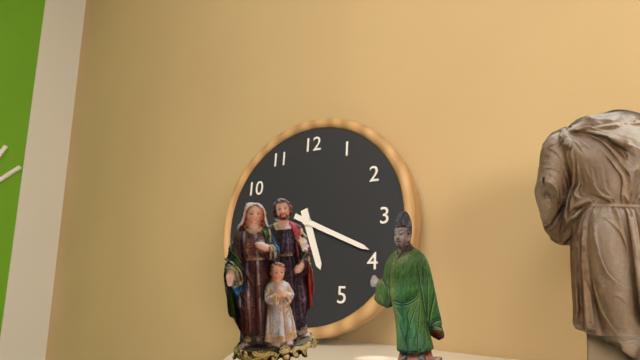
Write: 5 h 19 min
